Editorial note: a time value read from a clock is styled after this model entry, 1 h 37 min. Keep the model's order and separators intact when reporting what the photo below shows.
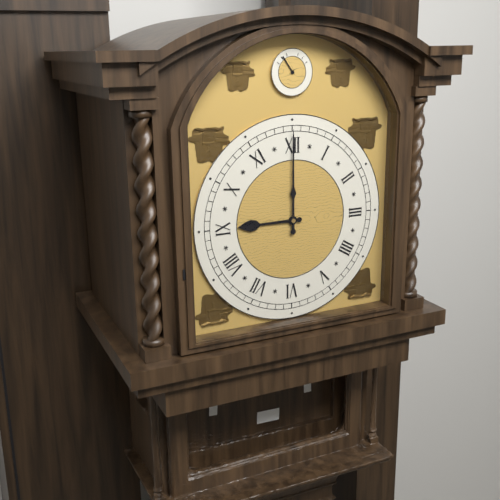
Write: 9 h 00 min
